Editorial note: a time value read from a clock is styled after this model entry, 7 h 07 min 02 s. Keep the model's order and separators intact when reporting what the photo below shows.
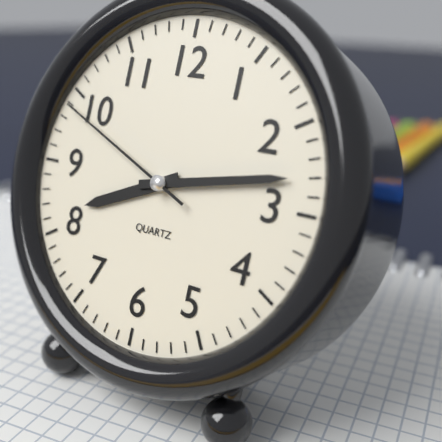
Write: 8 h 13 min 49 s
